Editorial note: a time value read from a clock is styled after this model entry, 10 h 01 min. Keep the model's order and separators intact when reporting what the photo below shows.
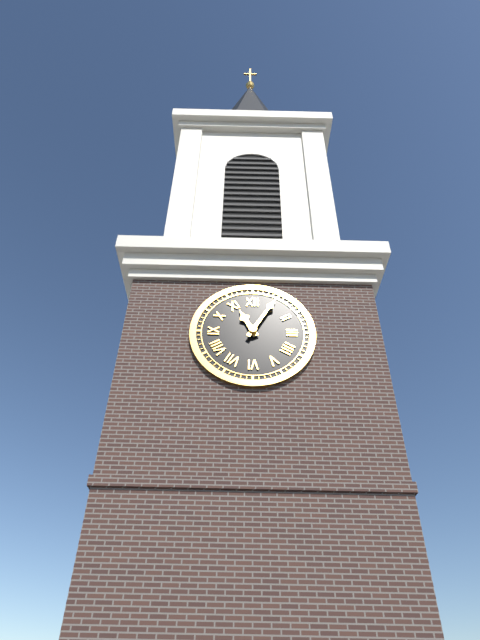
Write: 11 h 05 min
